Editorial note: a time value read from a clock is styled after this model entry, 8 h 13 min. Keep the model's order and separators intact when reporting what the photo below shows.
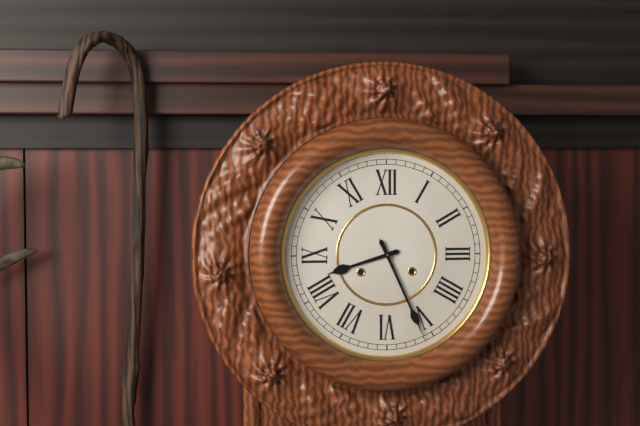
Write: 8 h 26 min
